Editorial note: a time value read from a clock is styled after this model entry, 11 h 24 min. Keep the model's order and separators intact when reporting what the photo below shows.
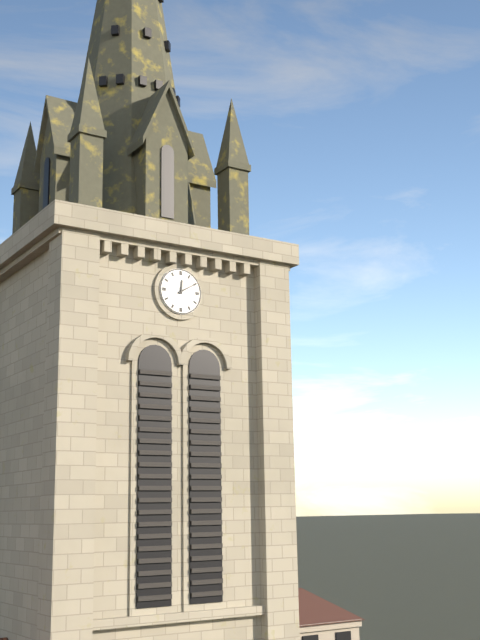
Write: 12 h 10 min
